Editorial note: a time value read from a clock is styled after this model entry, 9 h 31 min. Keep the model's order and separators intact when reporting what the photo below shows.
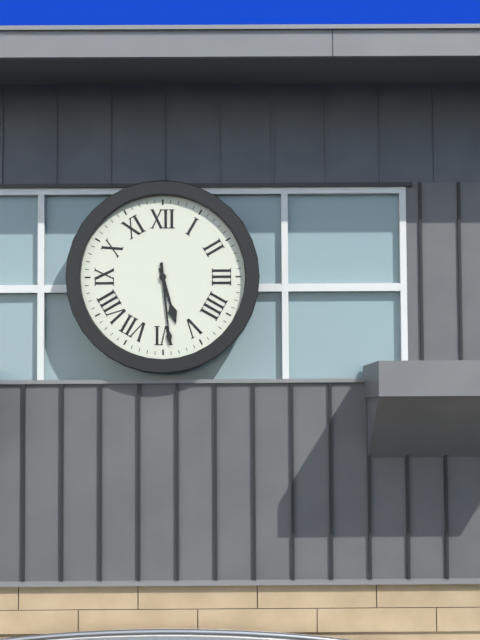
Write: 5 h 29 min
